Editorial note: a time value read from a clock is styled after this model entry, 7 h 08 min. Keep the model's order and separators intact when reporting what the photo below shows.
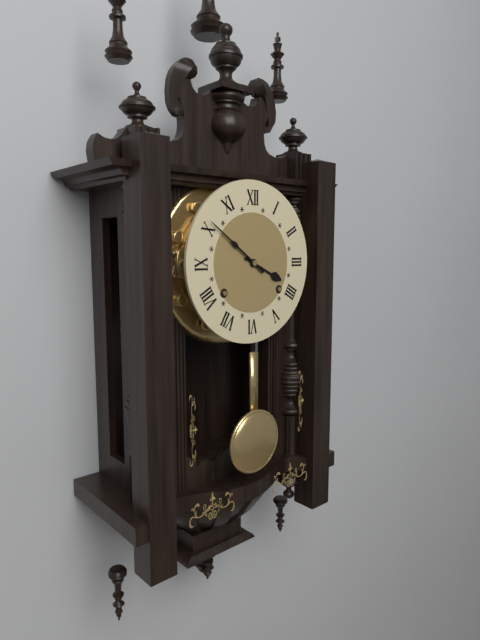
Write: 3 h 51 min
